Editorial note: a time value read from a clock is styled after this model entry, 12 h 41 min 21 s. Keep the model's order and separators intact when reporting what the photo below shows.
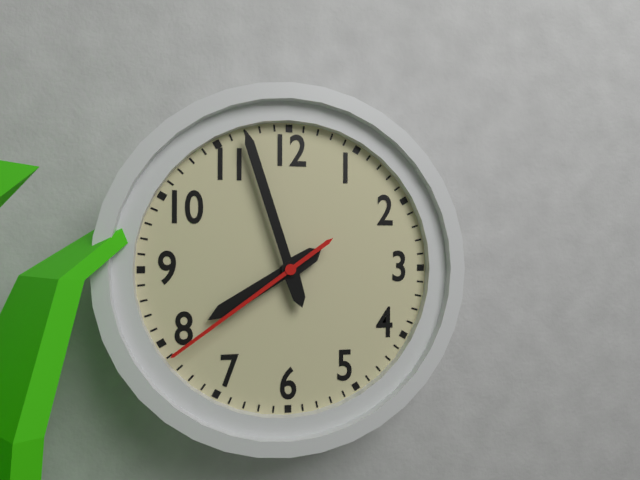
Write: 7 h 57 min 39 s
